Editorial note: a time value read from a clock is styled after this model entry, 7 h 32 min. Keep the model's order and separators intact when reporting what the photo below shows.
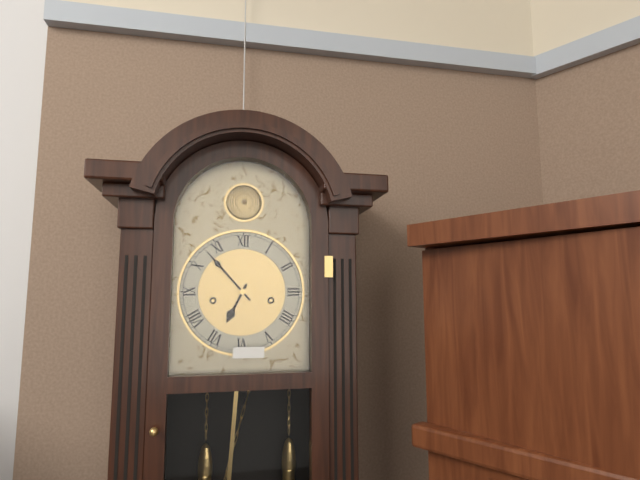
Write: 6 h 53 min
